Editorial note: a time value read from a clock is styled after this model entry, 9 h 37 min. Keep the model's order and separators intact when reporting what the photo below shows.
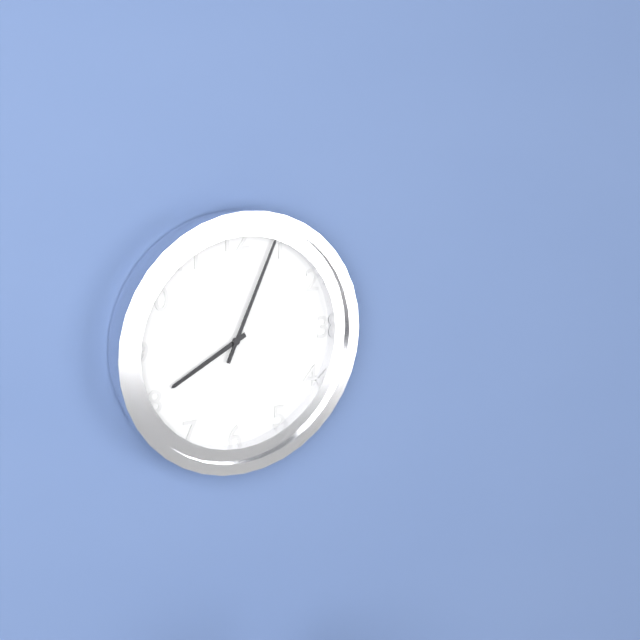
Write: 8 h 04 min
